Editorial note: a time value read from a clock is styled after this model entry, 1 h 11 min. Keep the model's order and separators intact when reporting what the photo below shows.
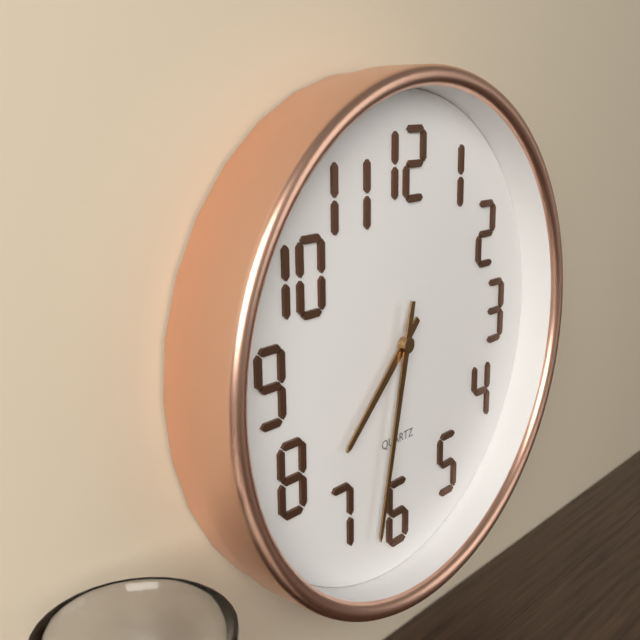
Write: 7 h 32 min
